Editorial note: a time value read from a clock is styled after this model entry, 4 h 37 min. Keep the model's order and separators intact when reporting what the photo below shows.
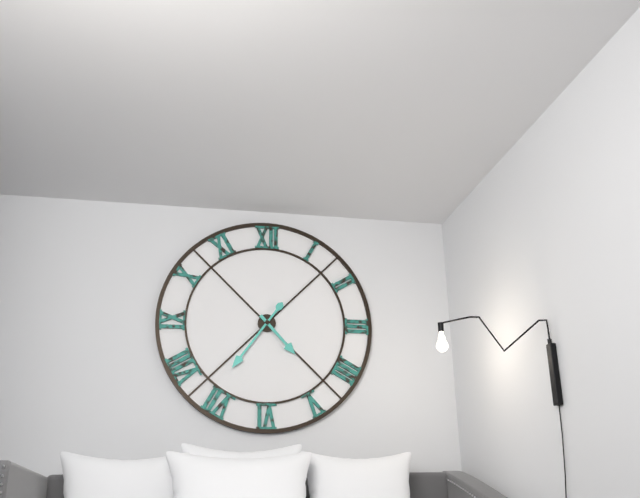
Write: 4 h 36 min
